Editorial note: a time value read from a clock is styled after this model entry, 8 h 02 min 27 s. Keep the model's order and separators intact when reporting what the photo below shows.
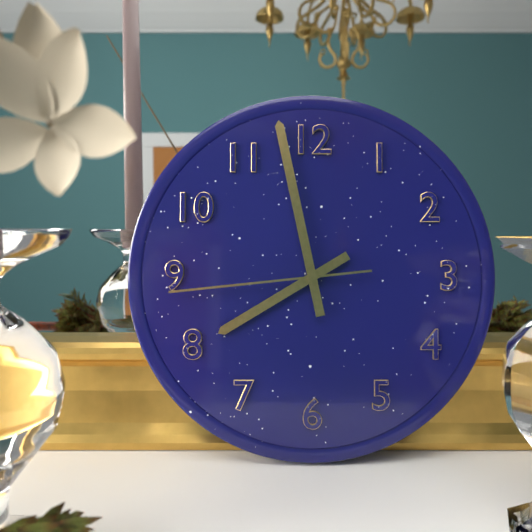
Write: 7 h 58 min 44 s
